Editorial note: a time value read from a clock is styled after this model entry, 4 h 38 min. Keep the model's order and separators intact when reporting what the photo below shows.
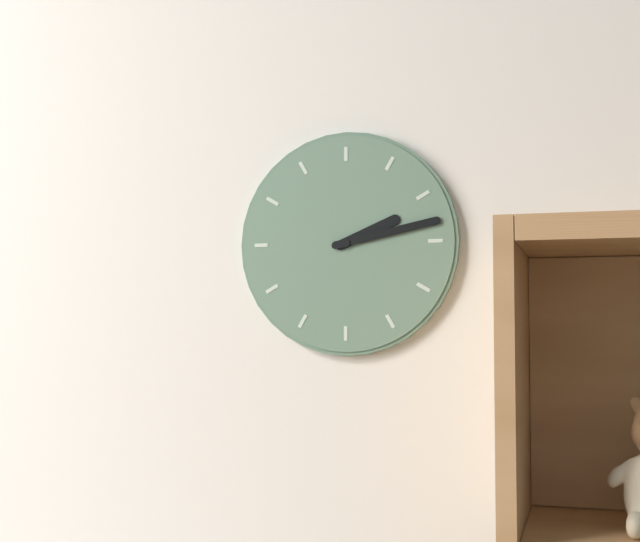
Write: 2 h 13 min
